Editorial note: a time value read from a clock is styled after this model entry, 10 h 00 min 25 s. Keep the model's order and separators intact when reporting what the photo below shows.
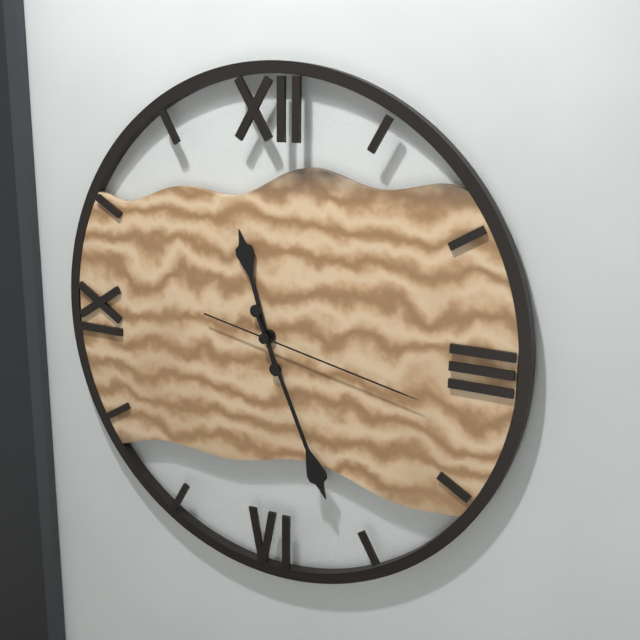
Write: 11 h 26 min 17 s
